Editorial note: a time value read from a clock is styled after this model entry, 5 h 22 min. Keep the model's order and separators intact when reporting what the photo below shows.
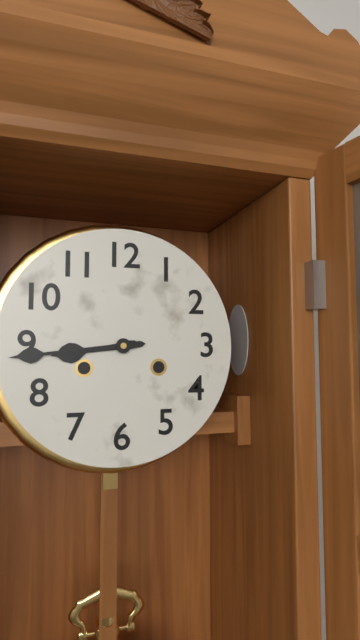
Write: 8 h 44 min
